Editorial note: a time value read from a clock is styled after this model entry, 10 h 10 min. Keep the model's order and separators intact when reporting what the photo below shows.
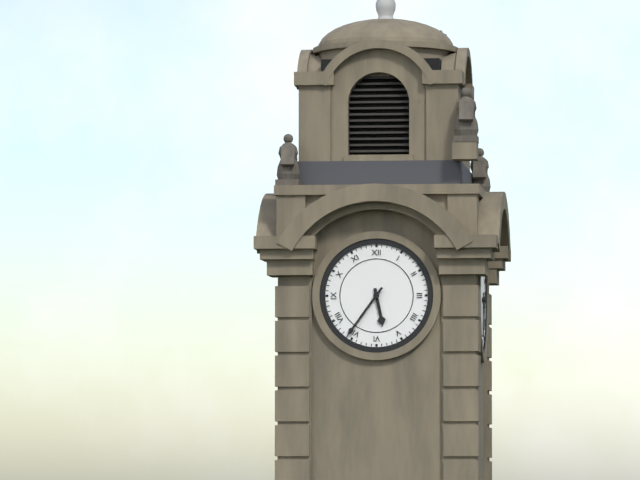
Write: 5 h 36 min
